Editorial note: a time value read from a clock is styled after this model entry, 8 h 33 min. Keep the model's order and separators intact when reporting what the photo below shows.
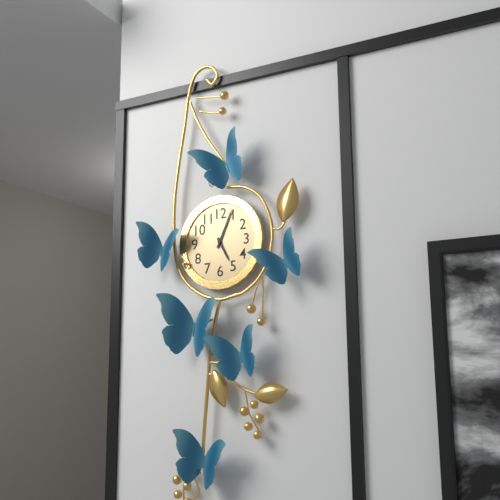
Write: 5 h 04 min
